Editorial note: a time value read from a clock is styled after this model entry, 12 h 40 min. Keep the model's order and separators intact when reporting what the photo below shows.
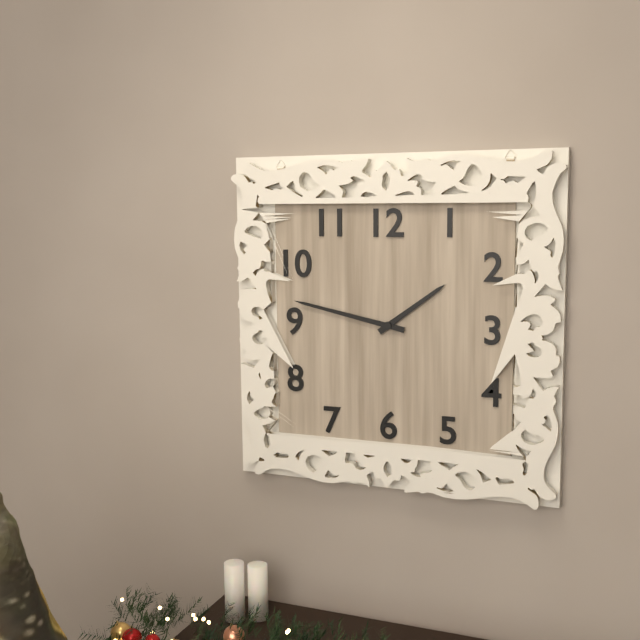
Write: 1 h 47 min
